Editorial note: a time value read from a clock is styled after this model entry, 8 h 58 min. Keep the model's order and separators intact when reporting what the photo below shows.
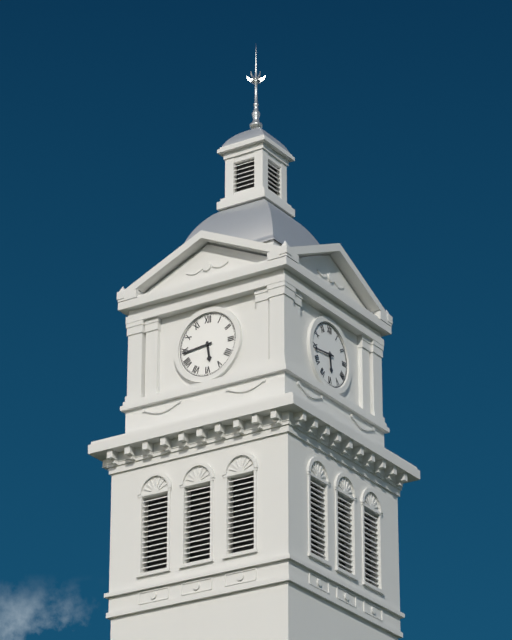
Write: 5 h 44 min
